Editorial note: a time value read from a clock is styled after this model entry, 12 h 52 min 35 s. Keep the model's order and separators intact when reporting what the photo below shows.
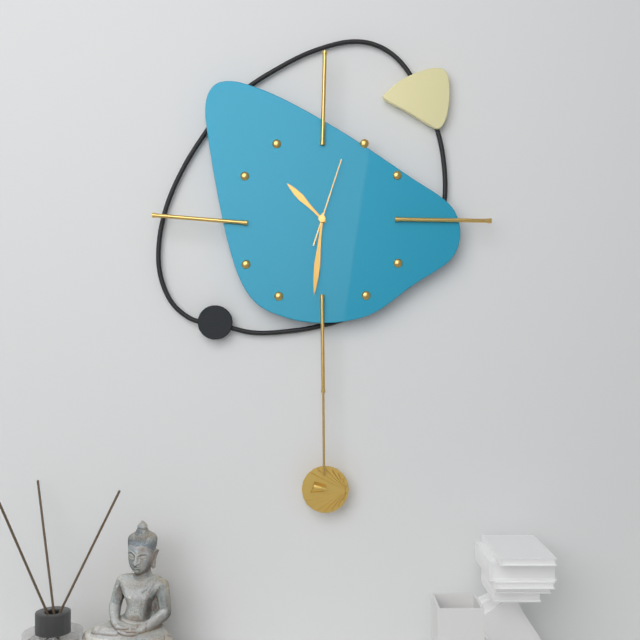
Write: 10 h 31 min 03 s
